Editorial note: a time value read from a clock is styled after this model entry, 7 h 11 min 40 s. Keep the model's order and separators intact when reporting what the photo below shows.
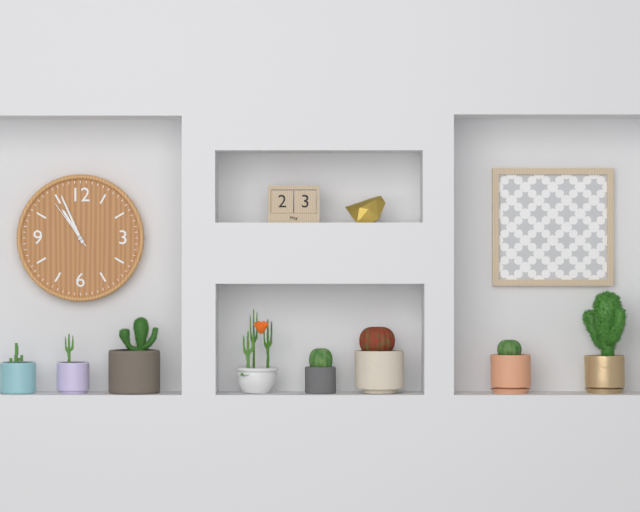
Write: 10 h 56 min 54 s
